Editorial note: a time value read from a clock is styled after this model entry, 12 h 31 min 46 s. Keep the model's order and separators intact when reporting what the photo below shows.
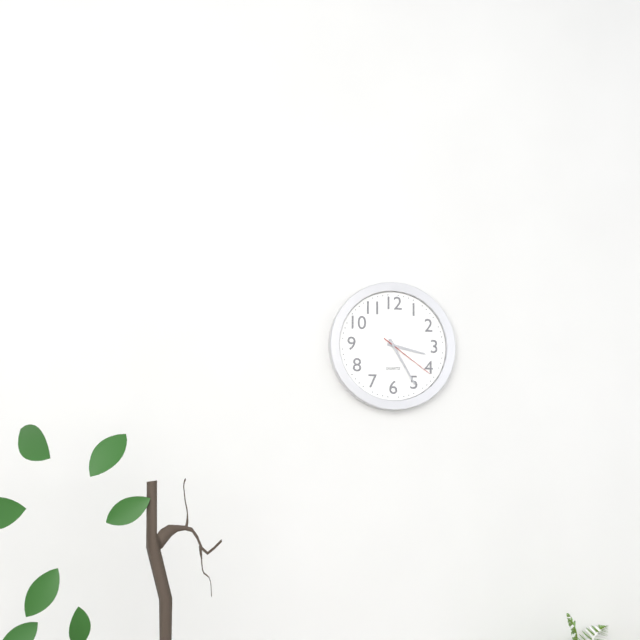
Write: 3 h 25 min 21 s
